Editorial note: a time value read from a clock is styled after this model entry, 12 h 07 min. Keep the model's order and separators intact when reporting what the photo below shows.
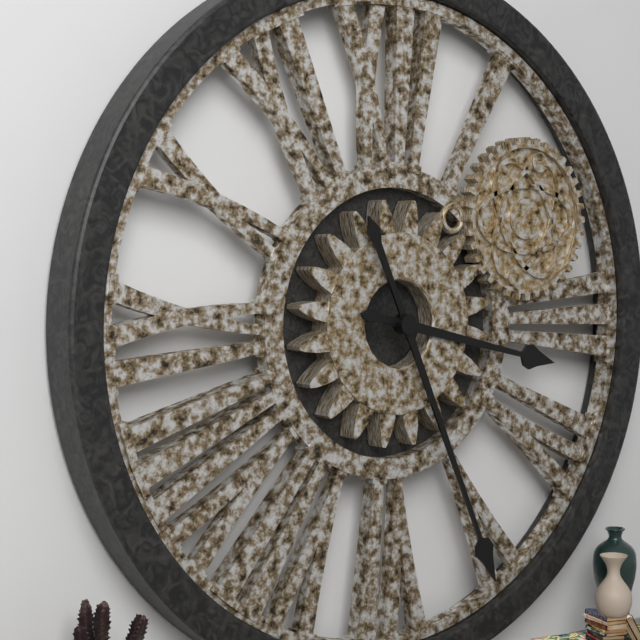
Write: 3 h 26 min
